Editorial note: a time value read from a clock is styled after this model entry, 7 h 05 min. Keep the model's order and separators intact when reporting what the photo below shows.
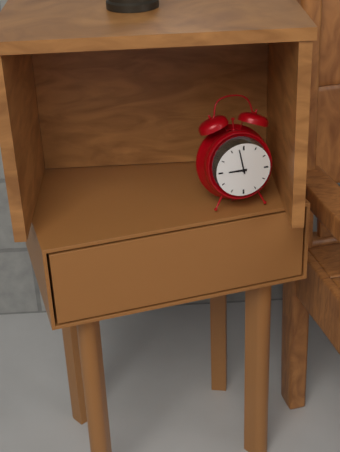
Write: 8 h 58 min
